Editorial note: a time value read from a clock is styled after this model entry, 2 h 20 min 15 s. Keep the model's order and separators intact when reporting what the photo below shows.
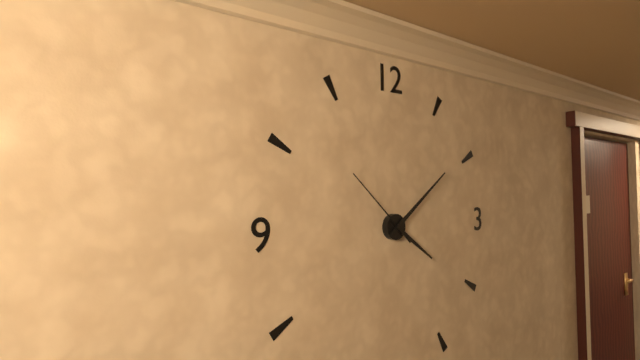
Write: 4 h 09 min 52 s
